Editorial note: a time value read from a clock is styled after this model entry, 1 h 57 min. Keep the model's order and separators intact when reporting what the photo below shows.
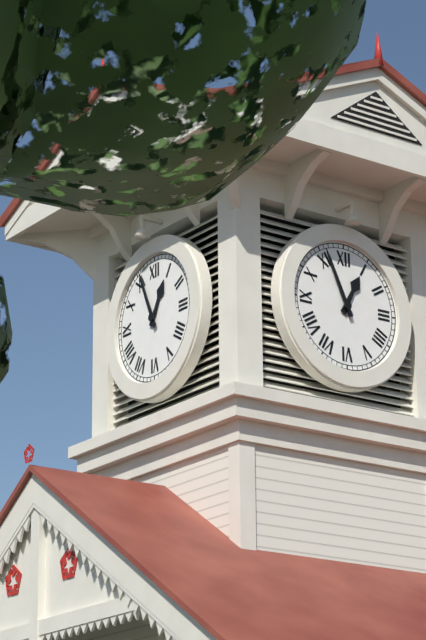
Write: 12 h 56 min
